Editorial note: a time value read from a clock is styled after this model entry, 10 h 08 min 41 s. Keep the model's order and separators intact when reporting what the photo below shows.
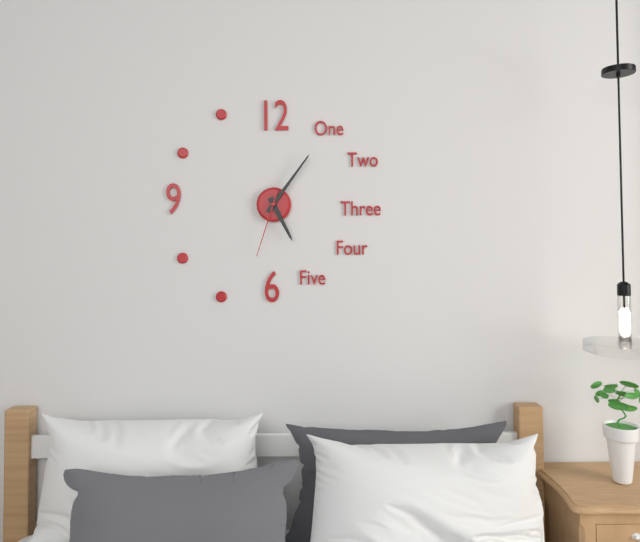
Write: 5 h 06 min 33 s
